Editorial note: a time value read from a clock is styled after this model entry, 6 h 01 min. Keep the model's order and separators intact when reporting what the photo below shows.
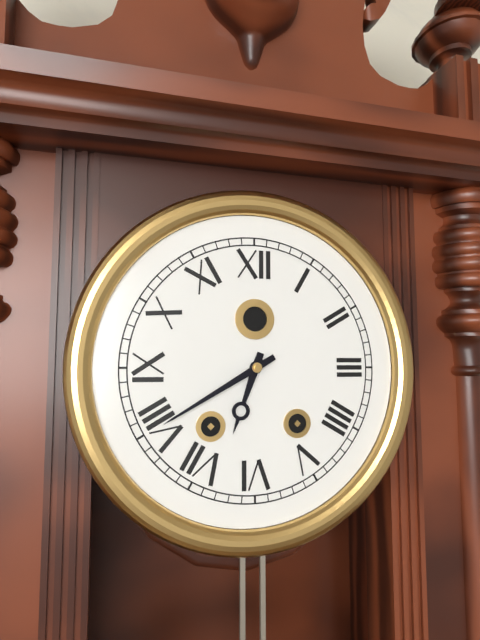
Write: 6 h 40 min
